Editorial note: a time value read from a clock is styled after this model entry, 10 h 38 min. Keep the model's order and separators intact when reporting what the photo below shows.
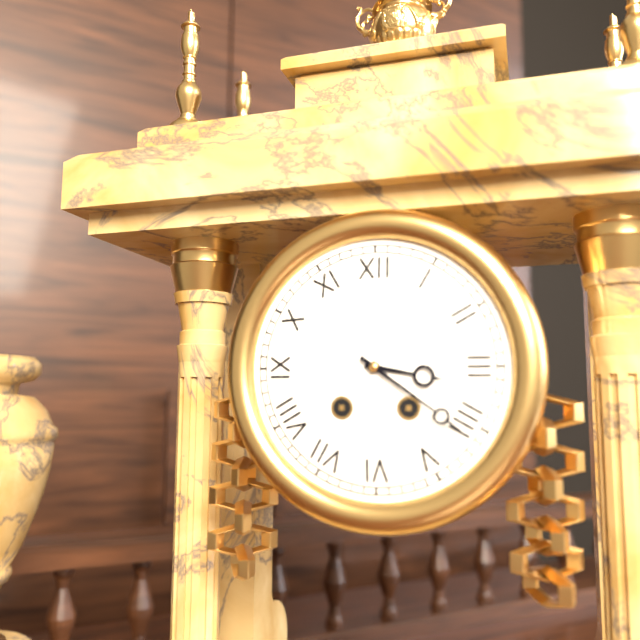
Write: 3 h 21 min
